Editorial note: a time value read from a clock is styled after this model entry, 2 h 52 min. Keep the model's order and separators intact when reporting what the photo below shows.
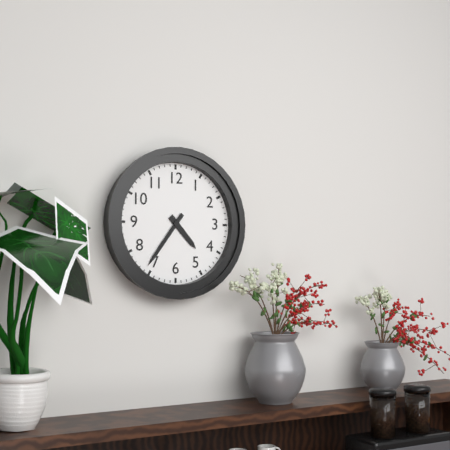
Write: 4 h 36 min
